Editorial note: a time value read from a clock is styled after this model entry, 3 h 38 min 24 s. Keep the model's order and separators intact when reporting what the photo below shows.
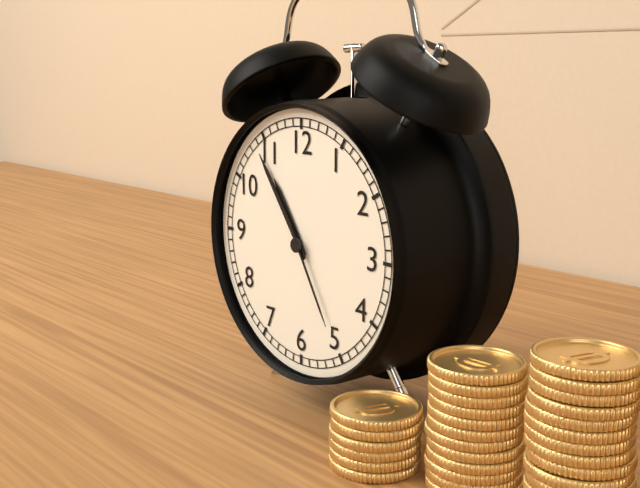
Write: 10 h 54 min 25 s
